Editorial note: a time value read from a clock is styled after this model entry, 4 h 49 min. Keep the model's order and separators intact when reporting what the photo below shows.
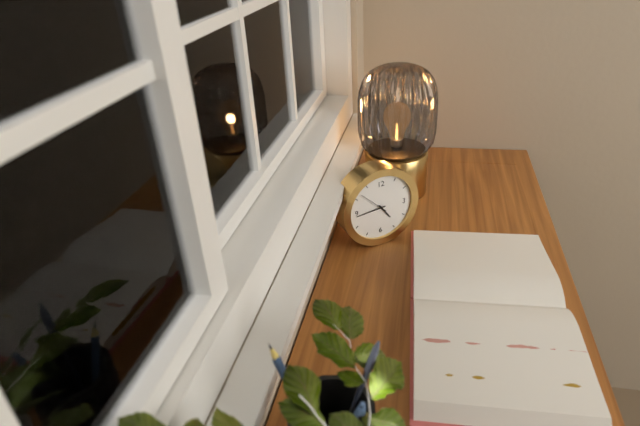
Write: 4 h 44 min
